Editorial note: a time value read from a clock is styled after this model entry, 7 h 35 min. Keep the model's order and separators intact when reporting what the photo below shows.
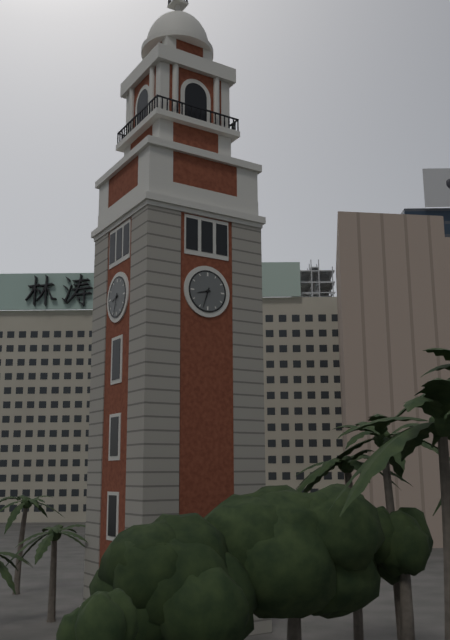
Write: 8 h 33 min
